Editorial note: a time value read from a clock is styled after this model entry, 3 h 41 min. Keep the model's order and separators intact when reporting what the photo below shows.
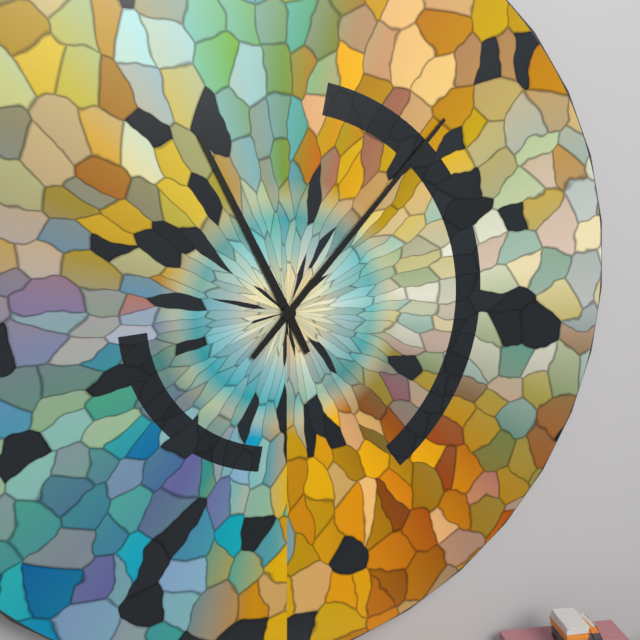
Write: 11 h 07 min
